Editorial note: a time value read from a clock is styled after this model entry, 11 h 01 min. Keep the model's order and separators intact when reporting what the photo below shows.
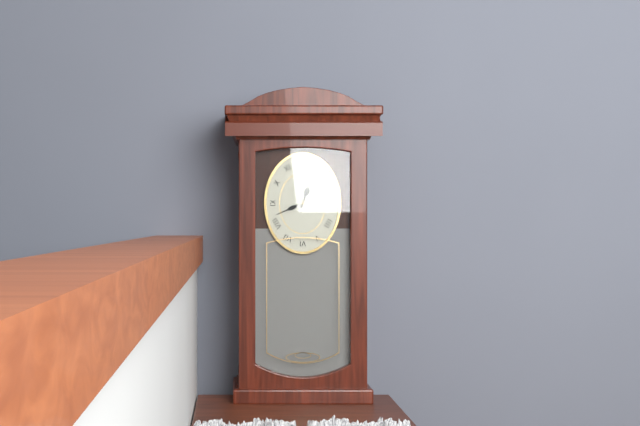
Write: 12 h 41 min
